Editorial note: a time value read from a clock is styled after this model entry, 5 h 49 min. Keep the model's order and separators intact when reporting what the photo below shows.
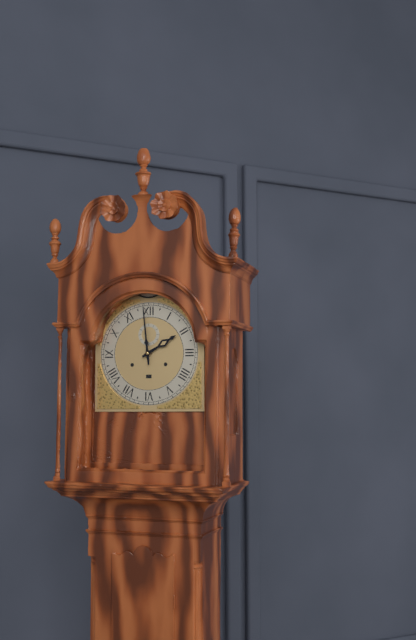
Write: 1 h 59 min
